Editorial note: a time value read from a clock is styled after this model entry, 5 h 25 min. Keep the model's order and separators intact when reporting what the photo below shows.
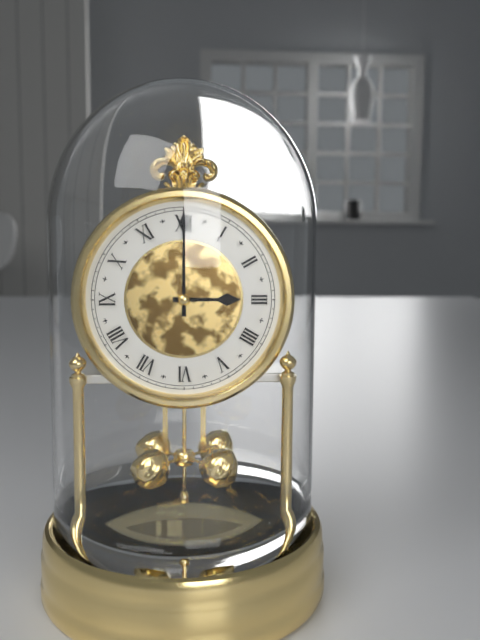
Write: 3 h 00 min
